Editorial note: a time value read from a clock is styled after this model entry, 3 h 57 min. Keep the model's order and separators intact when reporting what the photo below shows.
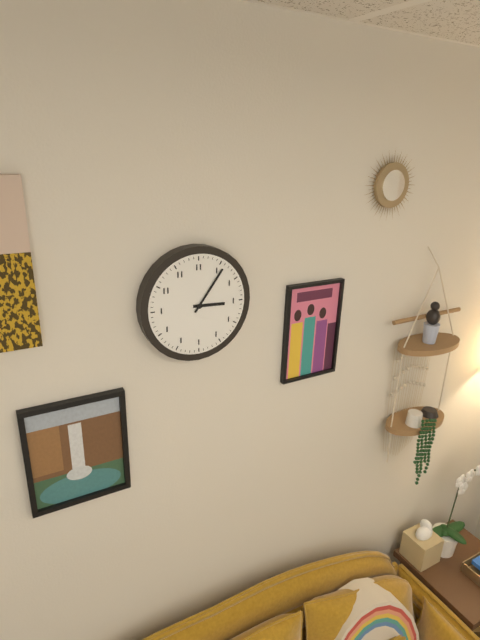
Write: 3 h 06 min
